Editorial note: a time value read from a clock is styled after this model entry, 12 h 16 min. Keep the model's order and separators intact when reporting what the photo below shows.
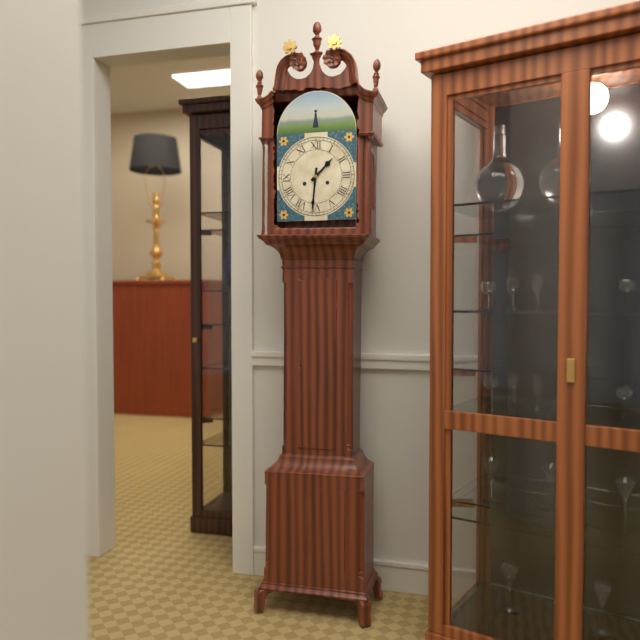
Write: 1 h 31 min
